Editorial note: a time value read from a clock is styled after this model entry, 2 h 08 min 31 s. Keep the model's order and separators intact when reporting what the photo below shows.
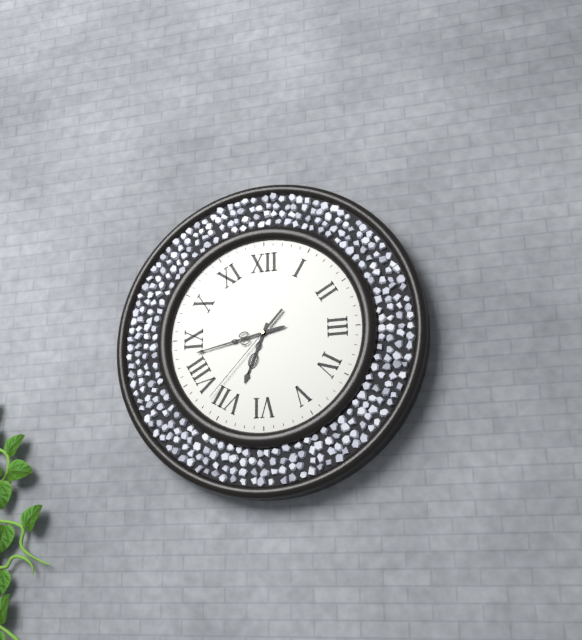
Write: 6 h 43 min 37 s
